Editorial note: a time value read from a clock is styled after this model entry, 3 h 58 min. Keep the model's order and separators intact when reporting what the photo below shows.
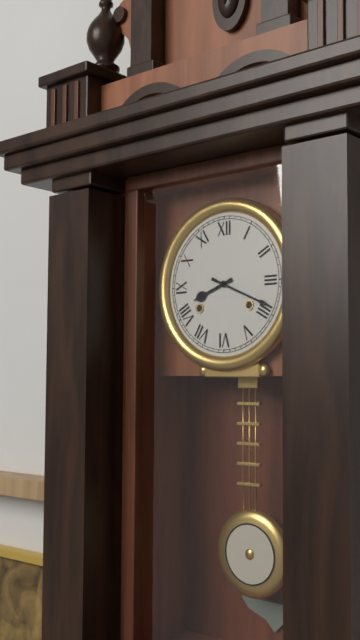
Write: 8 h 19 min
